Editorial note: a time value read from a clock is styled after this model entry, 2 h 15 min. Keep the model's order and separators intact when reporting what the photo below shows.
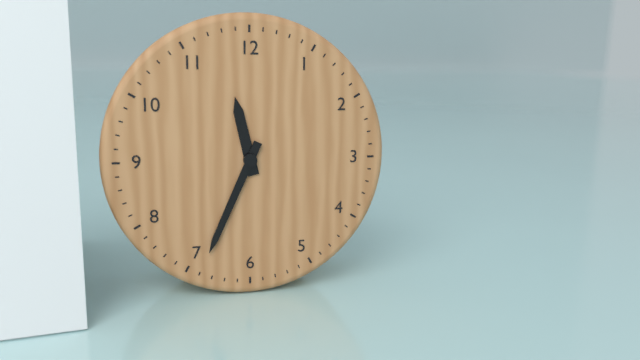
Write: 11 h 34 min
